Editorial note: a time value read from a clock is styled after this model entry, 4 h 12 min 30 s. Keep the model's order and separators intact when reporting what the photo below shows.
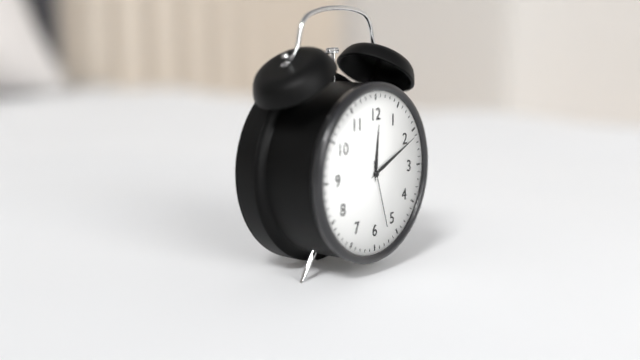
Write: 12 h 11 min 27 s
